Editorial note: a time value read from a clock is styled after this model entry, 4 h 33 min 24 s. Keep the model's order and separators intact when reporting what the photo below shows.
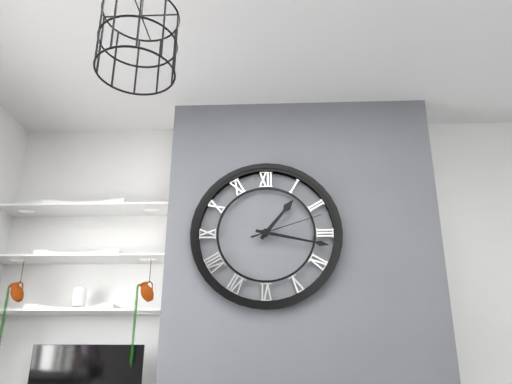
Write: 1 h 17 min 12 s
